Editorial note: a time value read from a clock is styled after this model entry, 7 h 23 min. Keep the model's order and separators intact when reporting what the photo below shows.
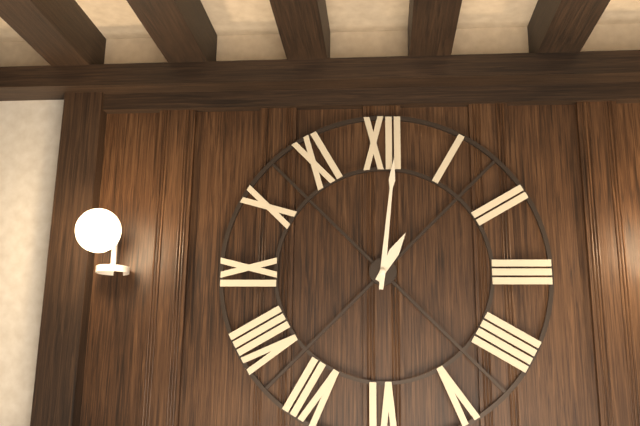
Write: 1 h 01 min
